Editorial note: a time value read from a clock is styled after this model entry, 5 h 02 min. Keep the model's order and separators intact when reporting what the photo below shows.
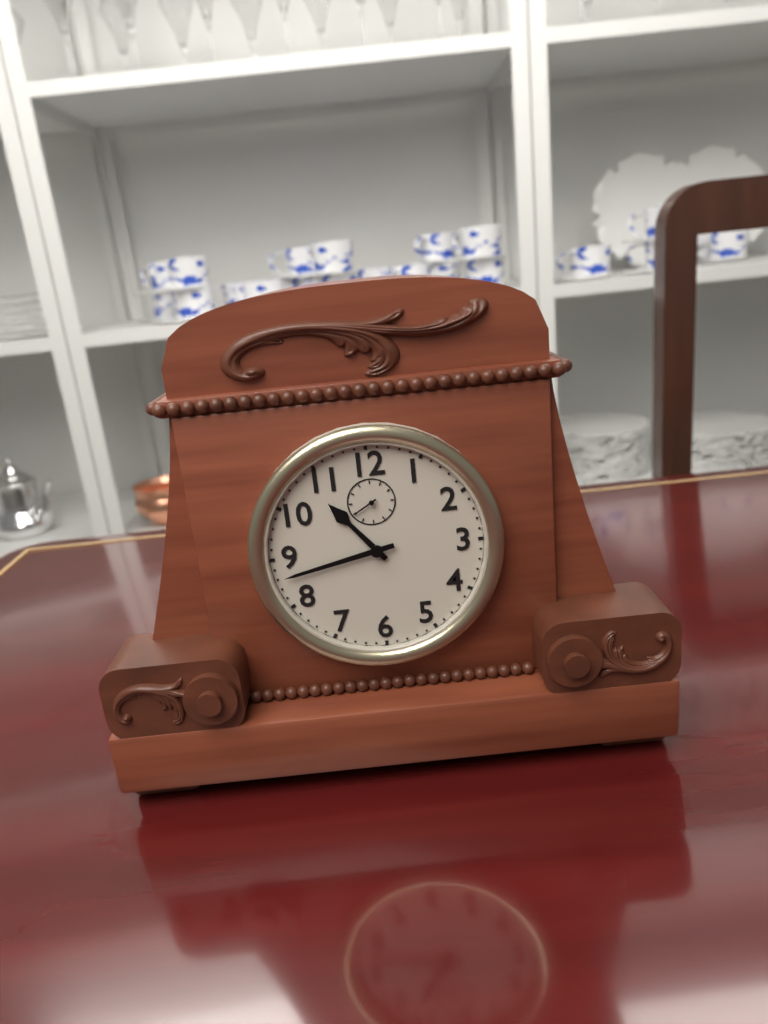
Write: 10 h 43 min
